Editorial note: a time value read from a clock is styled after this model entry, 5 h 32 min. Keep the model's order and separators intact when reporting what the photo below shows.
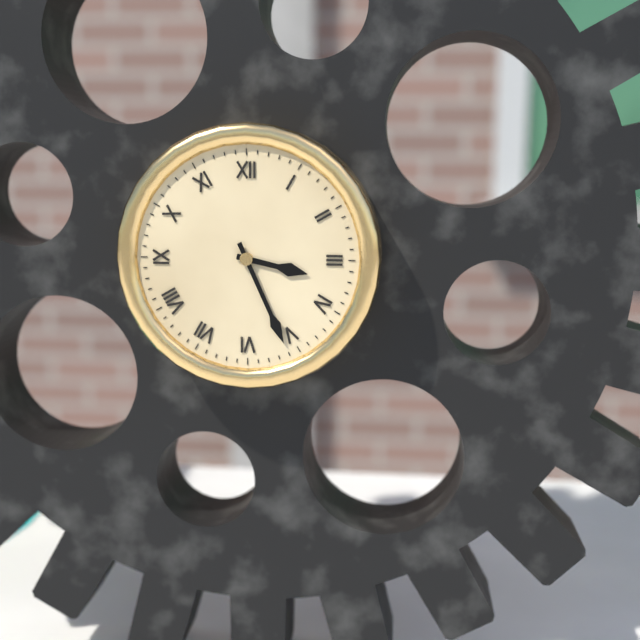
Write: 3 h 26 min
